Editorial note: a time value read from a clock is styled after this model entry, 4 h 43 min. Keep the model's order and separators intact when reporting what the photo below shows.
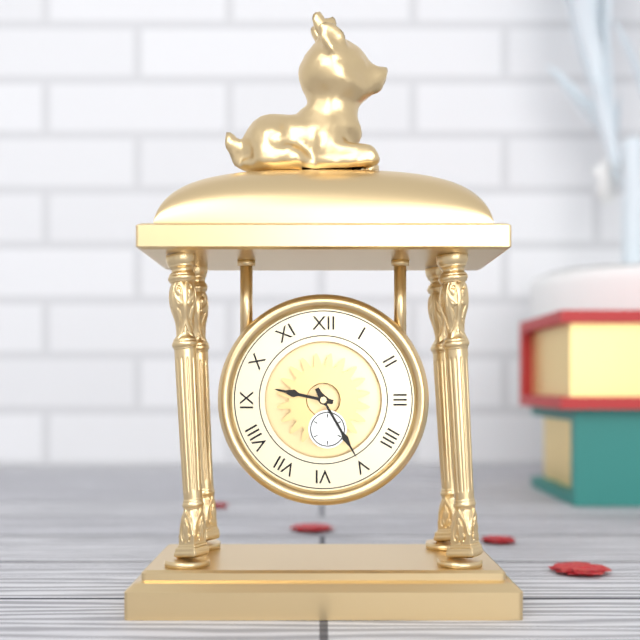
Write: 9 h 25 min
